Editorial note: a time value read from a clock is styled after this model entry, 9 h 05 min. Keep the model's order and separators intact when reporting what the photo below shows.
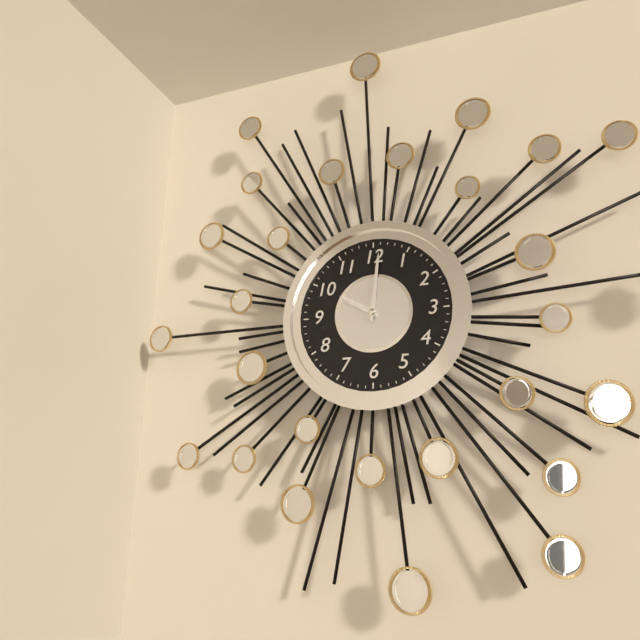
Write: 10 h 01 min
